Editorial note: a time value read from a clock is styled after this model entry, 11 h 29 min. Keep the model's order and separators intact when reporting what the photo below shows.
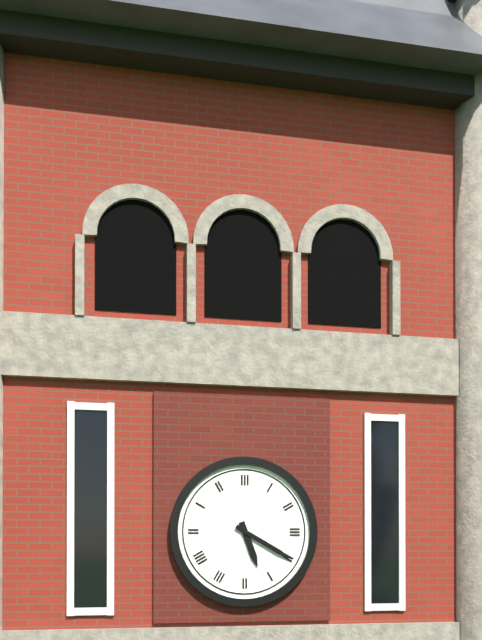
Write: 5 h 20 min
